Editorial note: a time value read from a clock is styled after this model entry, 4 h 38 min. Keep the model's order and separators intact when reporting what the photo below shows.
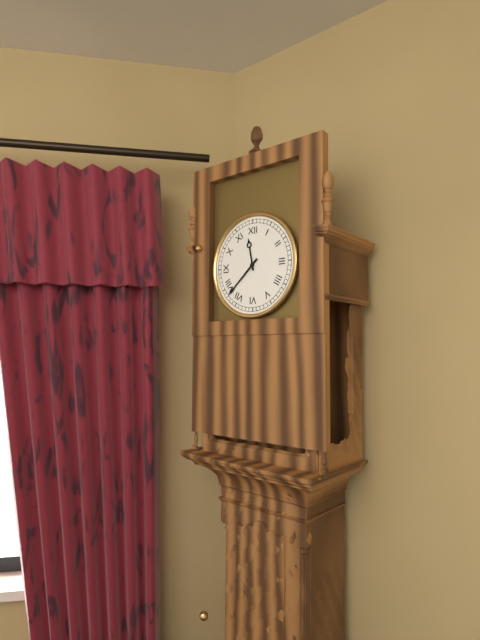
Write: 11 h 38 min
